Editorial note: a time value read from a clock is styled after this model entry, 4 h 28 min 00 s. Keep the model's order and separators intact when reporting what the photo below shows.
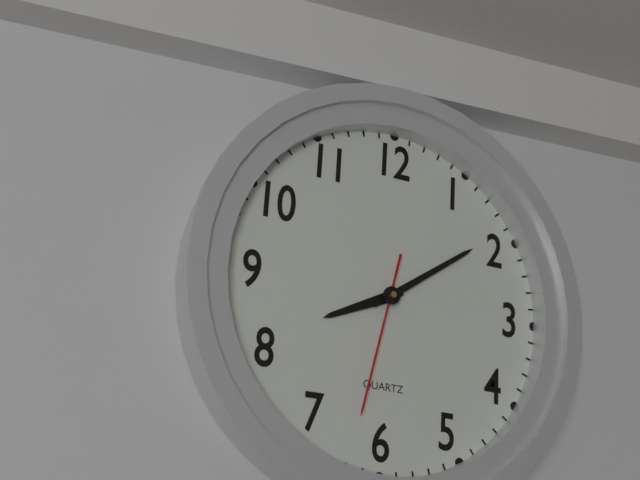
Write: 8 h 09 min 32 s
